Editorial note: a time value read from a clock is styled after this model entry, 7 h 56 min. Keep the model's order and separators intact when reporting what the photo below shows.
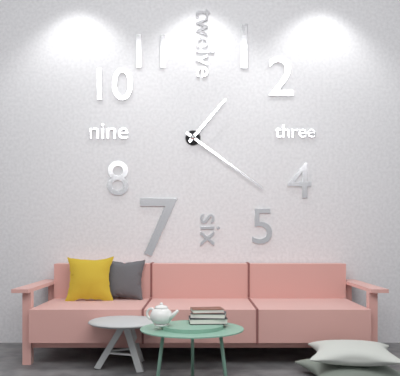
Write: 1 h 21 min
